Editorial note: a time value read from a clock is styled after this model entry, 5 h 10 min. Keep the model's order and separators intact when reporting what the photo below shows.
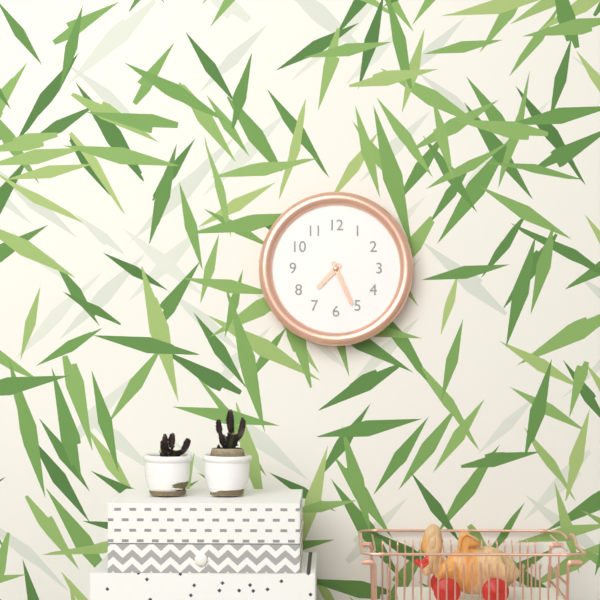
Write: 7 h 26 min
